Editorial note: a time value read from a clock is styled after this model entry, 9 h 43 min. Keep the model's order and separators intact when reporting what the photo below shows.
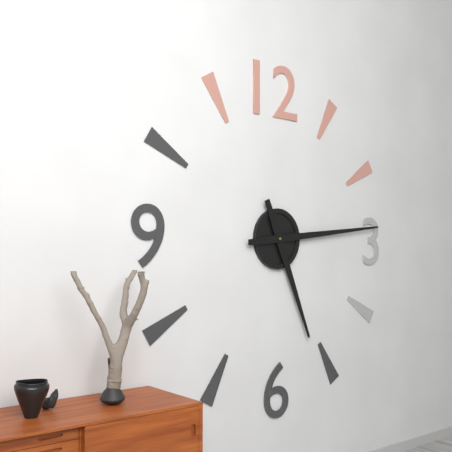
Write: 5 h 14 min
